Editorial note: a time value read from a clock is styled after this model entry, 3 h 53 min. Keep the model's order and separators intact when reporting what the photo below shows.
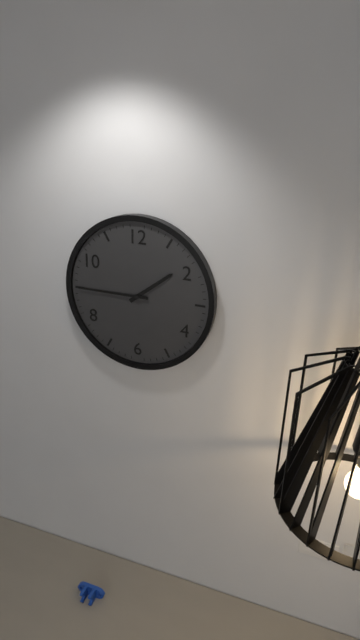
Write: 1 h 45 min
